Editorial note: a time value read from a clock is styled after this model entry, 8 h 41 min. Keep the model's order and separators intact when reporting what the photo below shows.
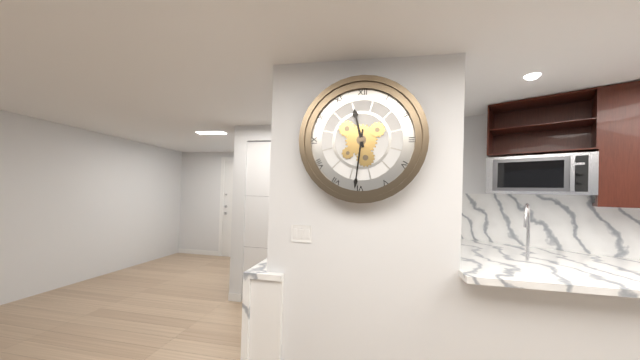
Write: 11 h 31 min
